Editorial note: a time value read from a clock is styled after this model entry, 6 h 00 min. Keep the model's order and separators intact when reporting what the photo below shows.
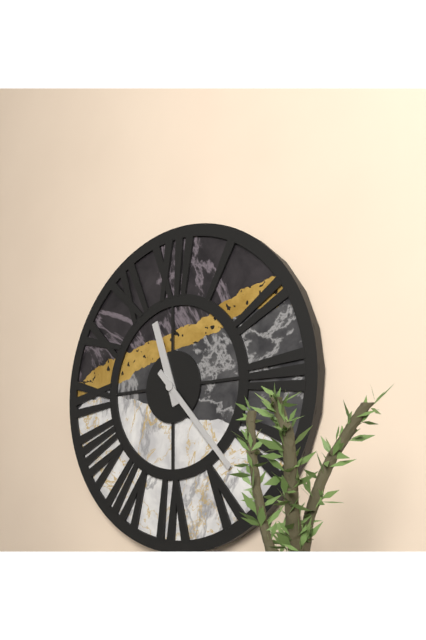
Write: 11 h 23 min
